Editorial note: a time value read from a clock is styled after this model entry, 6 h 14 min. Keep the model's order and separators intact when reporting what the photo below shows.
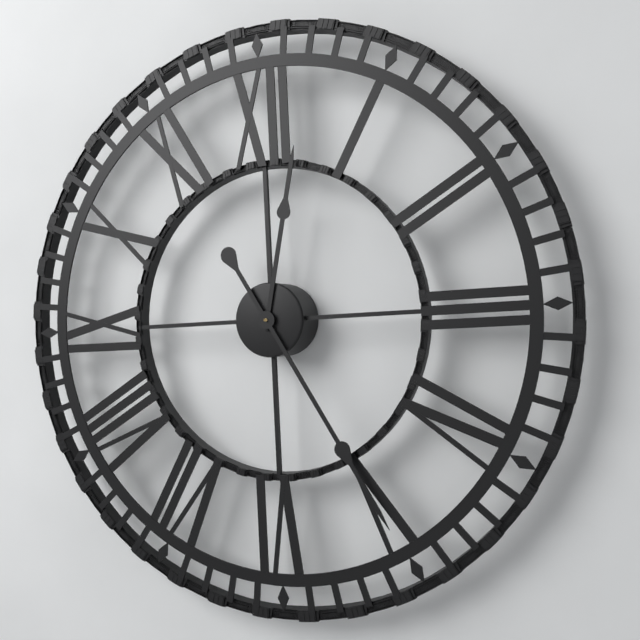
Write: 12 h 25 min
